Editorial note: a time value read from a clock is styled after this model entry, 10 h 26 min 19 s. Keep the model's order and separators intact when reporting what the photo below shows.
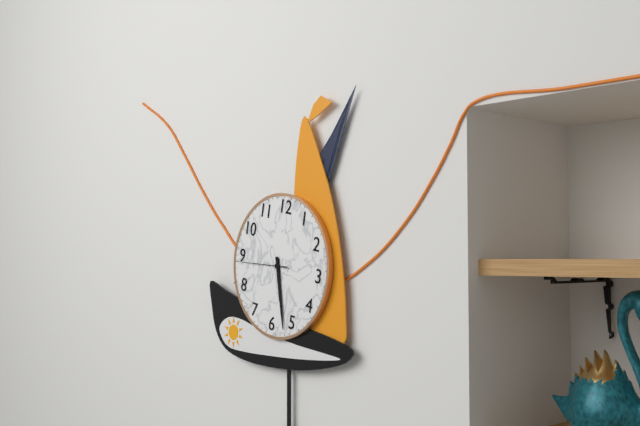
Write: 5 h 27 min 44 s
